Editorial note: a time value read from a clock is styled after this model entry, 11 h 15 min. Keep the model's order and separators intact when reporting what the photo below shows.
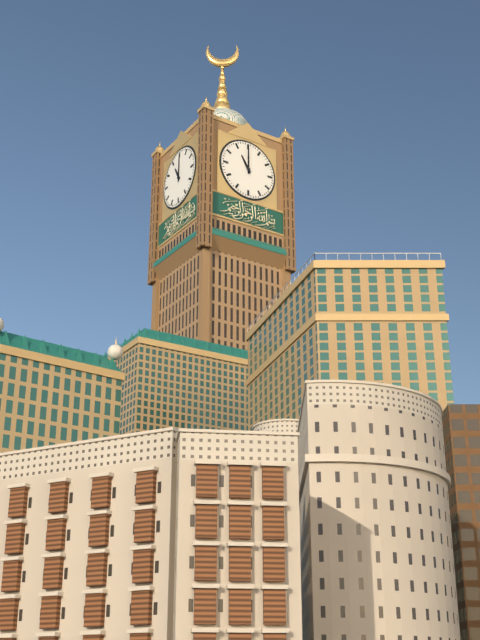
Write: 11 h 00 min
